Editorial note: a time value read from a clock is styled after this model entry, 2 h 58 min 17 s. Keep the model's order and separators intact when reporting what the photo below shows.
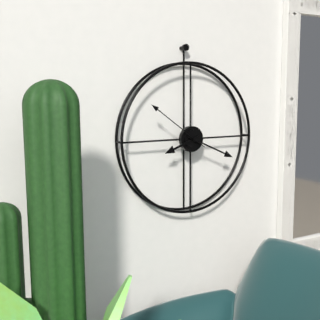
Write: 8 h 19 min 51 s
